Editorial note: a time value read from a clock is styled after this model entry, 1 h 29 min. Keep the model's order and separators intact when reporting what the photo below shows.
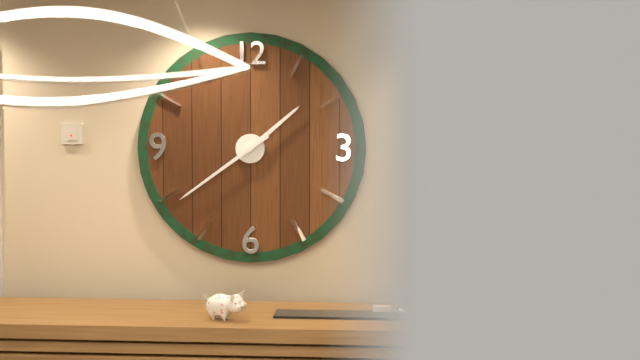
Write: 1 h 39 min
